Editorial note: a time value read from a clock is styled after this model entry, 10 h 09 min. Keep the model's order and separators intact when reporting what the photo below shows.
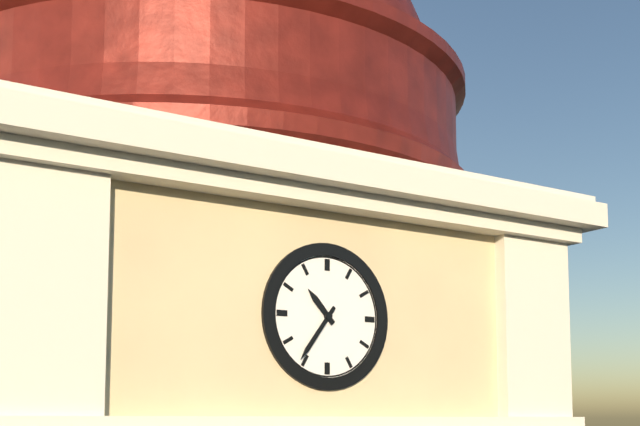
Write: 10 h 36 min
